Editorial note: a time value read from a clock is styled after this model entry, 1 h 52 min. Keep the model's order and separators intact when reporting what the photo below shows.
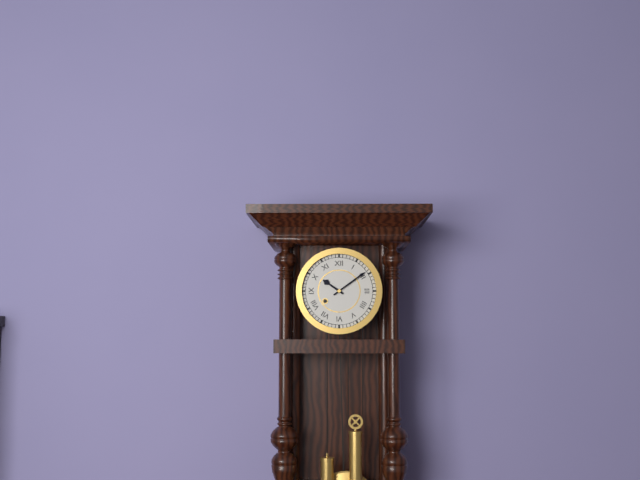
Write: 10 h 09 min
